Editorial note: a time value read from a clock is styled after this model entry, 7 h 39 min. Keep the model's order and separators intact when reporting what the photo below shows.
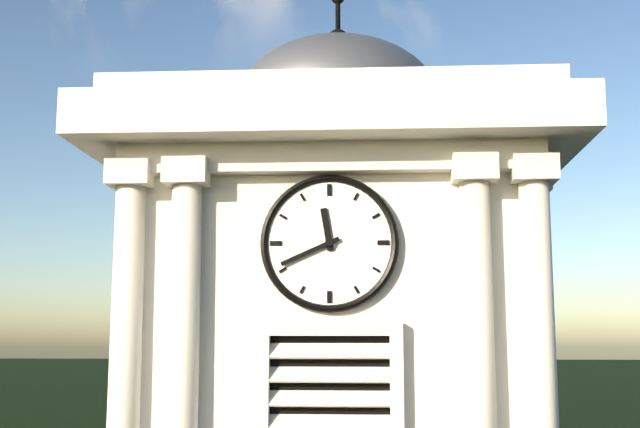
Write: 11 h 41 min
